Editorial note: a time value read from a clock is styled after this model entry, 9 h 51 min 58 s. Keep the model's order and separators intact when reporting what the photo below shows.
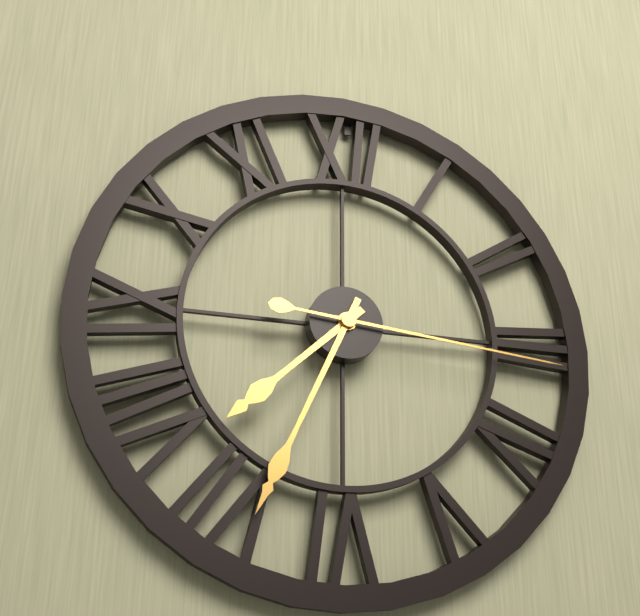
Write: 7 h 34 min 16 s
